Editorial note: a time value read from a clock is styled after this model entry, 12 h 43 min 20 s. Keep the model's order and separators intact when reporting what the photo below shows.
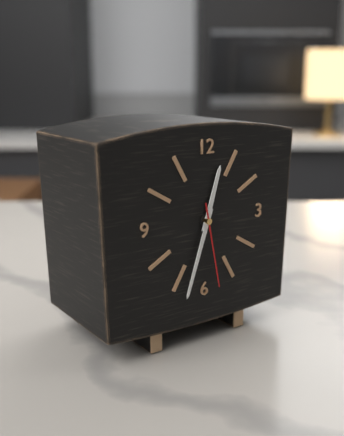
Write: 12 h 33 min 28 s
